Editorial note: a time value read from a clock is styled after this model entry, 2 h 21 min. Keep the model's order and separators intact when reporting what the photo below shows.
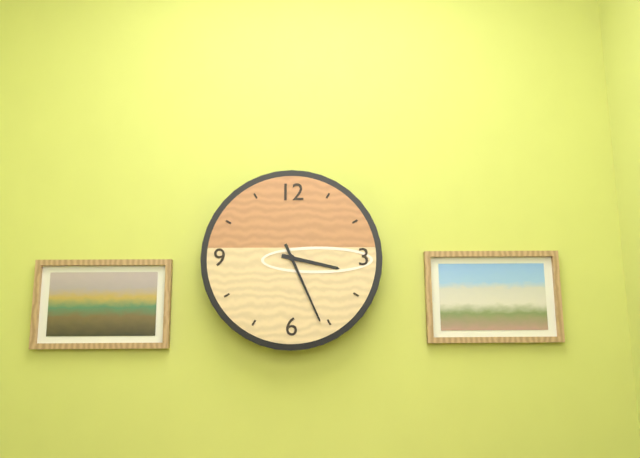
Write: 3 h 26 min
